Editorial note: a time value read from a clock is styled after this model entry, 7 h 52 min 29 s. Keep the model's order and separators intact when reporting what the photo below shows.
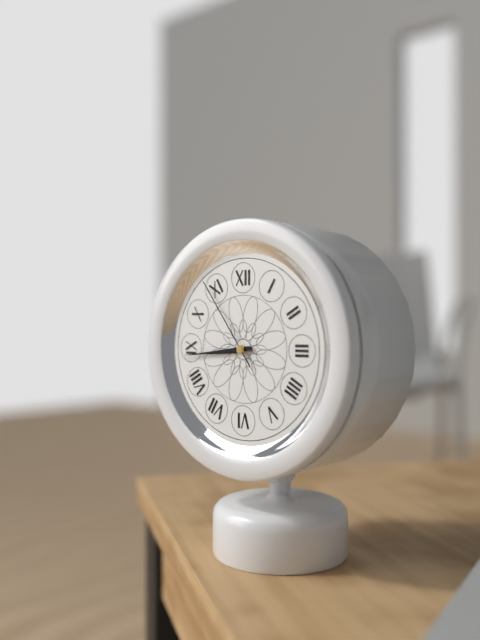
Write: 8 h 44 min 54 s
